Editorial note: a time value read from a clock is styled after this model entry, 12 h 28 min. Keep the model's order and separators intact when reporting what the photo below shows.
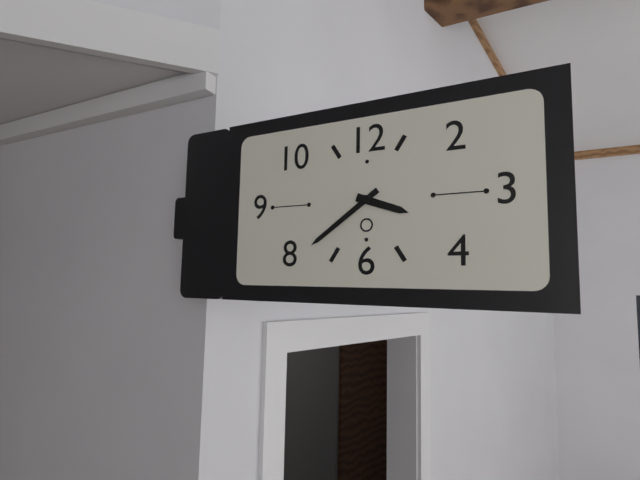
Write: 3 h 39 min
